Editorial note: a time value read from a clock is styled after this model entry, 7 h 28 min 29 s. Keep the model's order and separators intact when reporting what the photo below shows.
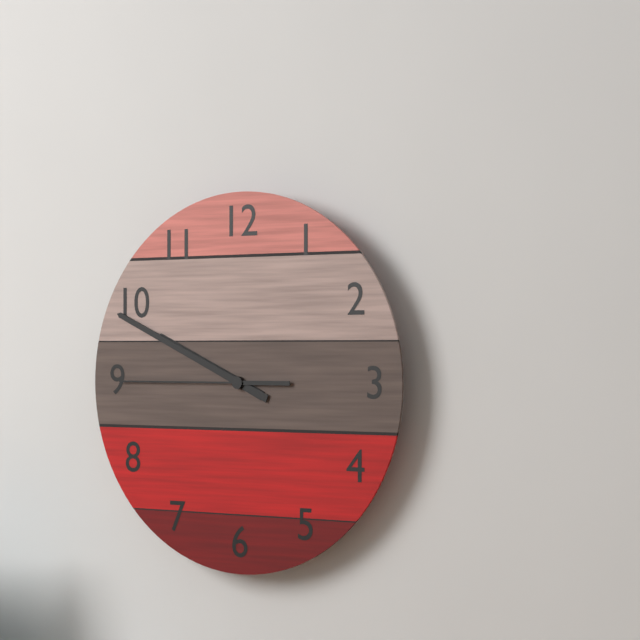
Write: 9 h 49 min 45 s
